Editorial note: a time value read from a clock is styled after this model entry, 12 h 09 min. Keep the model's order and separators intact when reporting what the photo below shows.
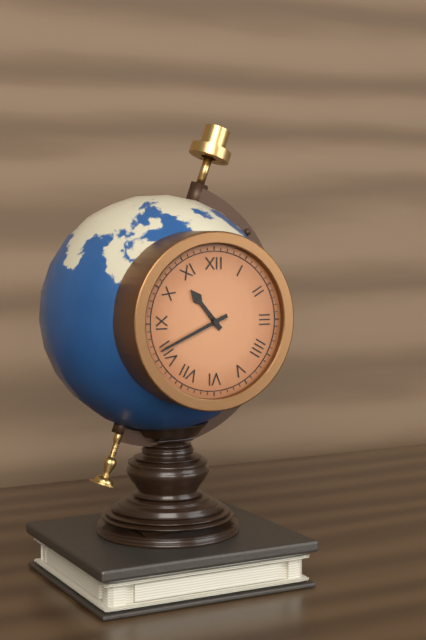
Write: 10 h 41 min
